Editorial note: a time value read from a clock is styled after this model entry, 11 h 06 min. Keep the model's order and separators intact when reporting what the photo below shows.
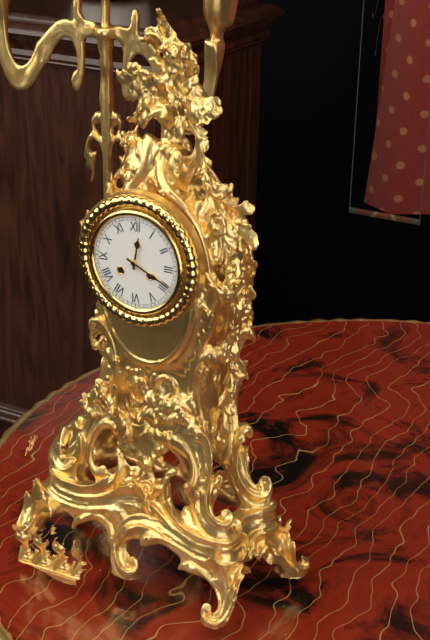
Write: 12 h 19 min
